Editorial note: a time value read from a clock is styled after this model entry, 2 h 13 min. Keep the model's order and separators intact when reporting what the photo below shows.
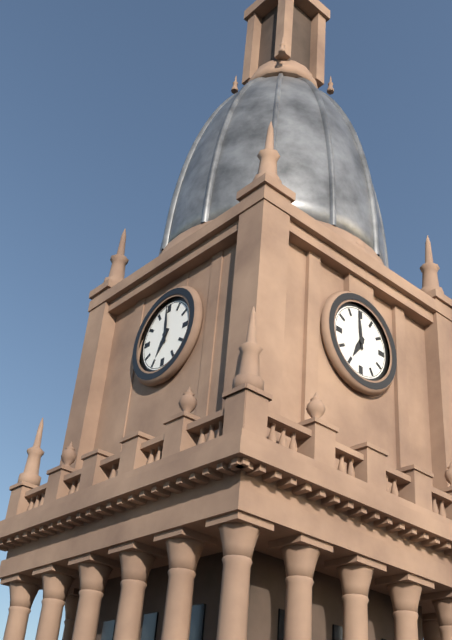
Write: 6 h 59 min
